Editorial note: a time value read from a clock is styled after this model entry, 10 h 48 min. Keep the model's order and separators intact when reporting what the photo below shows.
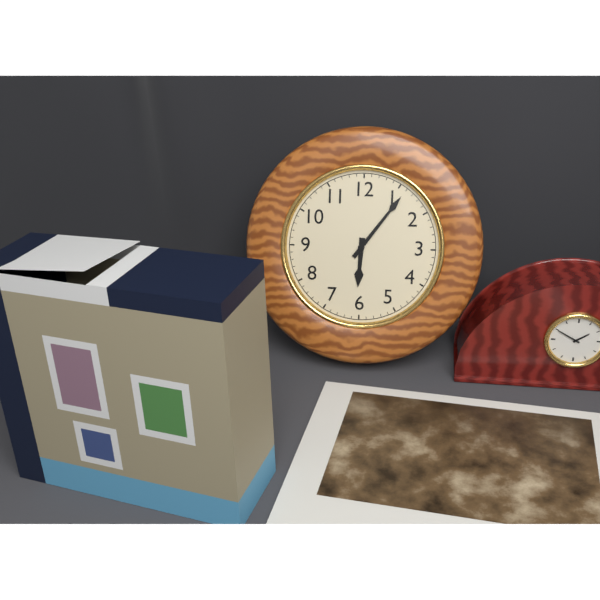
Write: 6 h 06 min
